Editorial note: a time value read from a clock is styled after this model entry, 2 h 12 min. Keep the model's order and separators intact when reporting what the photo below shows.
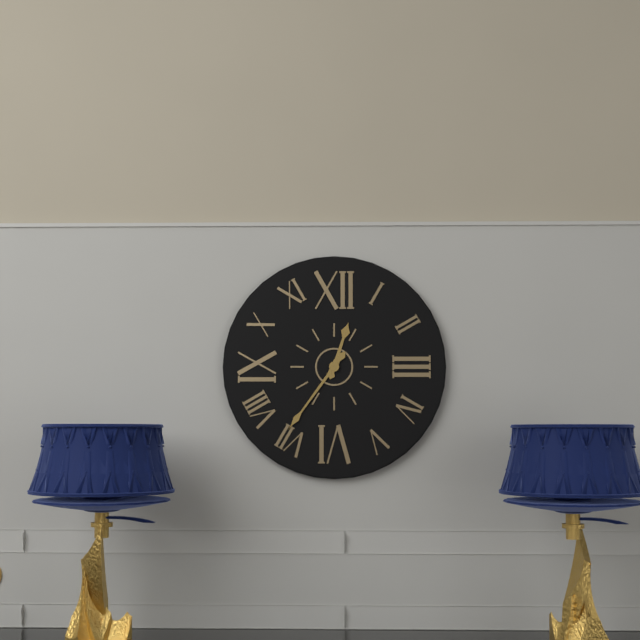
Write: 12 h 36 min
